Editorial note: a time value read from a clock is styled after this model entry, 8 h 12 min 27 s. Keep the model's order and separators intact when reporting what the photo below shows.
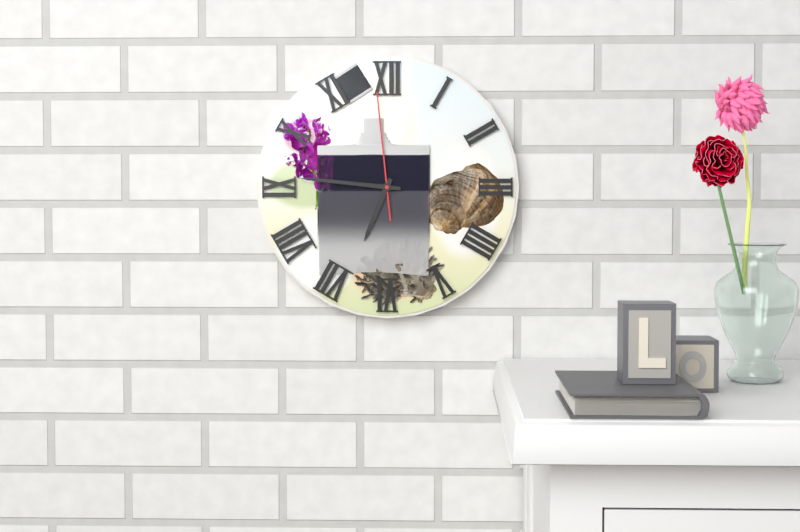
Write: 6 h 46 min 59 s
